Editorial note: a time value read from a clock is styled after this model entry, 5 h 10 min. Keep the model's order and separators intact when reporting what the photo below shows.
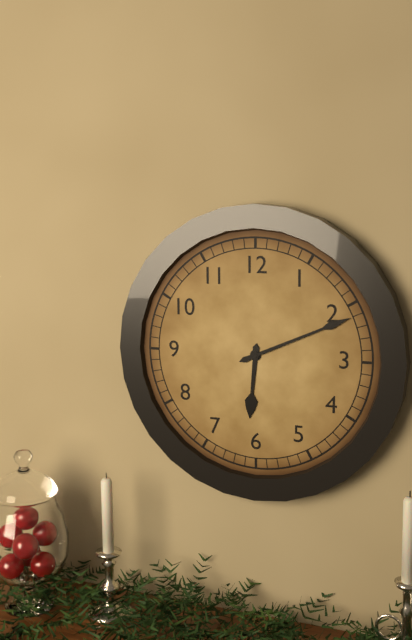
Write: 6 h 11 min
